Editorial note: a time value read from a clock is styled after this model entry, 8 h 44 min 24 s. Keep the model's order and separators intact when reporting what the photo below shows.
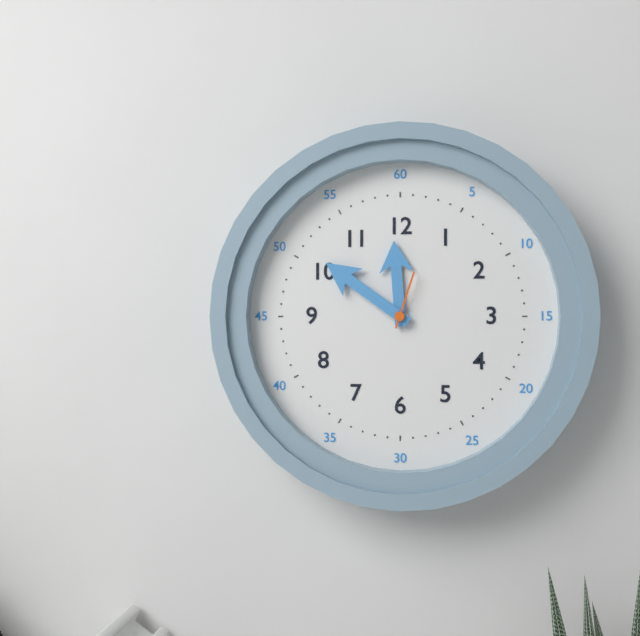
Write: 11 h 51 min 03 s
